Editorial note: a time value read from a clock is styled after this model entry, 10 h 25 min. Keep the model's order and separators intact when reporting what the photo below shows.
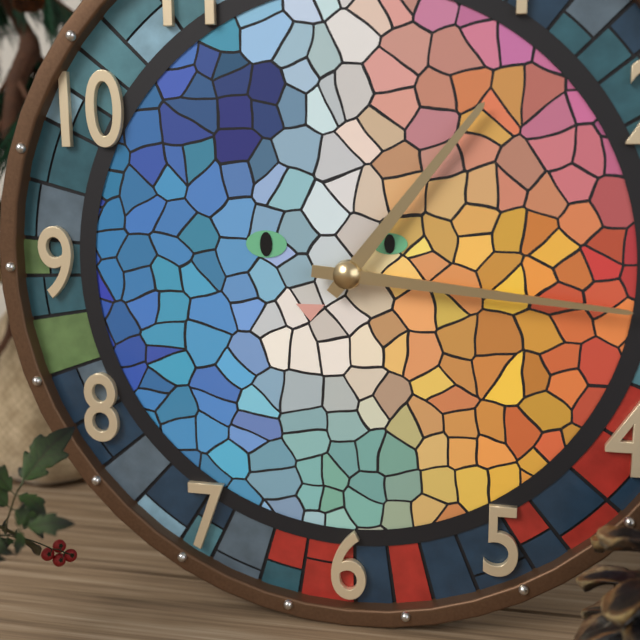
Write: 1 h 16 min
